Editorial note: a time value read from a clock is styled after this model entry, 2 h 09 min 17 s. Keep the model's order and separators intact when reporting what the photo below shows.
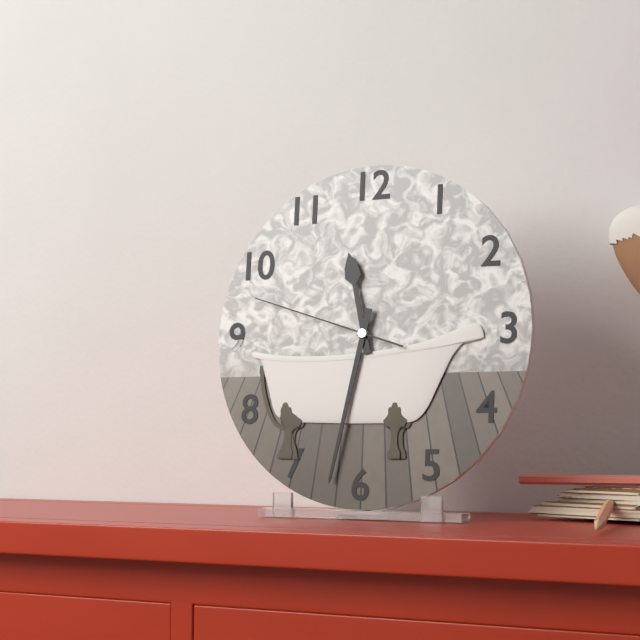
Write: 11 h 32 min 48 s
